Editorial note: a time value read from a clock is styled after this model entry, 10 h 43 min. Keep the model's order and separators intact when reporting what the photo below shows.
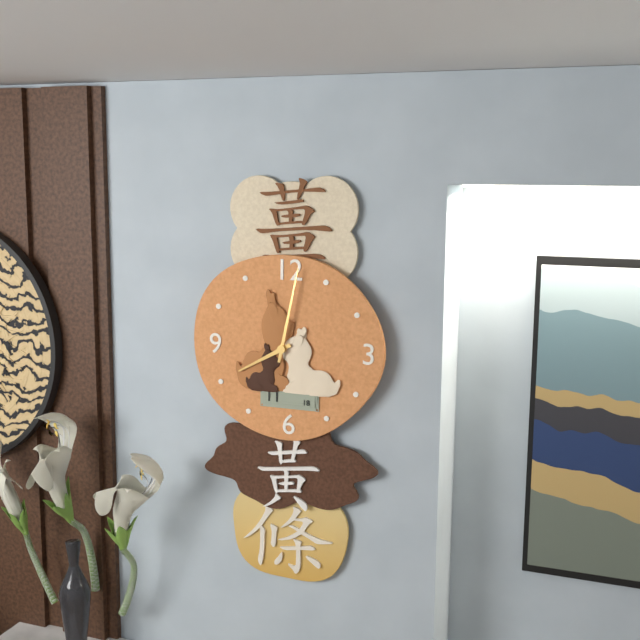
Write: 8 h 02 min
